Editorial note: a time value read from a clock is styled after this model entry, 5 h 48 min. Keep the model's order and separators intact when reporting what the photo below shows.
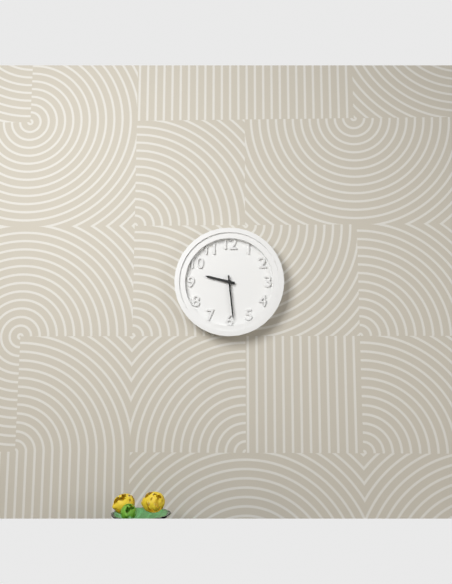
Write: 9 h 29 min
